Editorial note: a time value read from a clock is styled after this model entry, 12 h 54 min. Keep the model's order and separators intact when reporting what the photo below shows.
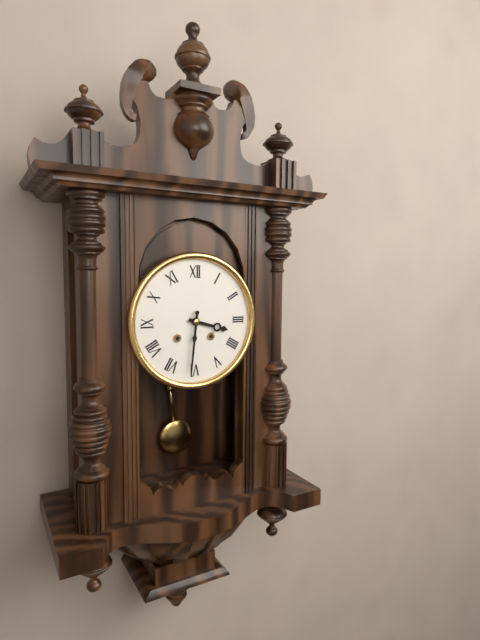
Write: 3 h 31 min
